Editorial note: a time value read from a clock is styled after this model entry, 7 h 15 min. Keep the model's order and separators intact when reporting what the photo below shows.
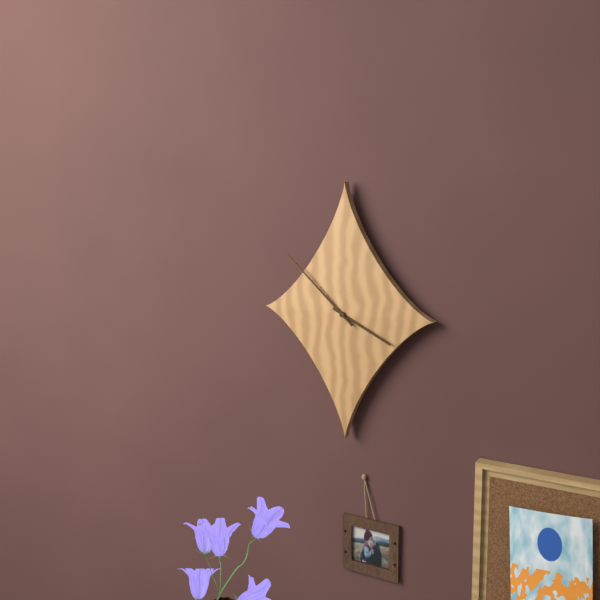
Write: 3 h 52 min
